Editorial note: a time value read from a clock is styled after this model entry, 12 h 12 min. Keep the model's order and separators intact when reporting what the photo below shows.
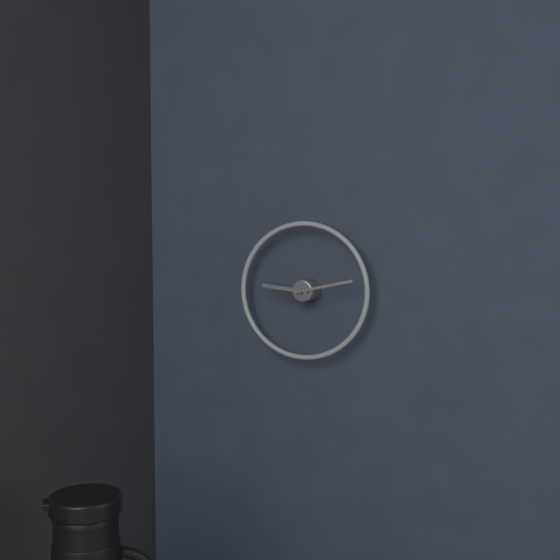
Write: 9 h 13 min
